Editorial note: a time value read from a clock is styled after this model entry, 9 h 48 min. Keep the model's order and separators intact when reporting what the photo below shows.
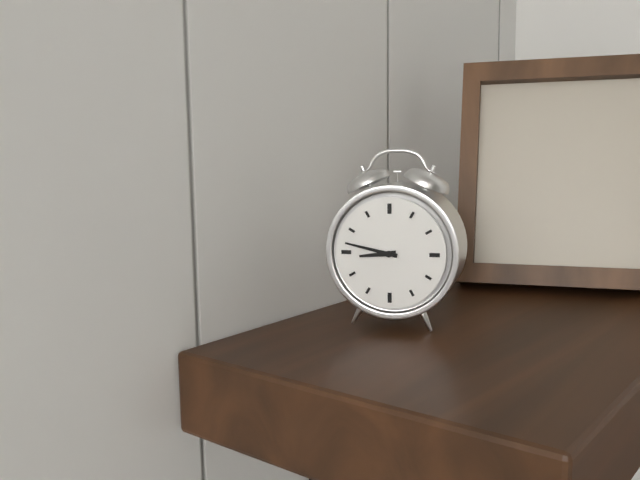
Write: 8 h 47 min
